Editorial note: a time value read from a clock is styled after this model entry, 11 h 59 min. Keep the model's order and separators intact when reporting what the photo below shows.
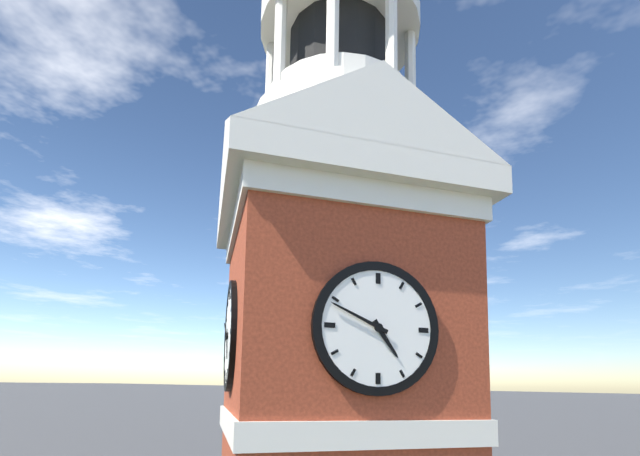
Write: 4 h 49 min
